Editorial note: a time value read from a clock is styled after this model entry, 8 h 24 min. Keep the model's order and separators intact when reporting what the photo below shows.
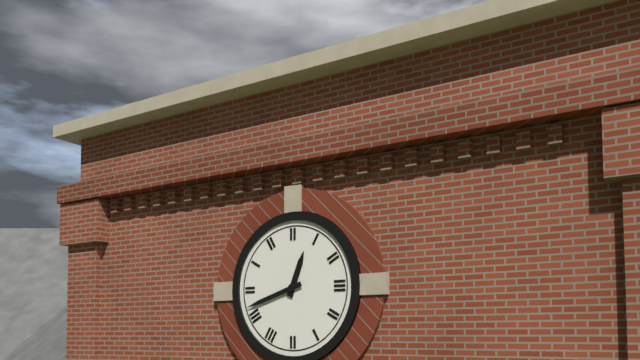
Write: 12 h 42 min
